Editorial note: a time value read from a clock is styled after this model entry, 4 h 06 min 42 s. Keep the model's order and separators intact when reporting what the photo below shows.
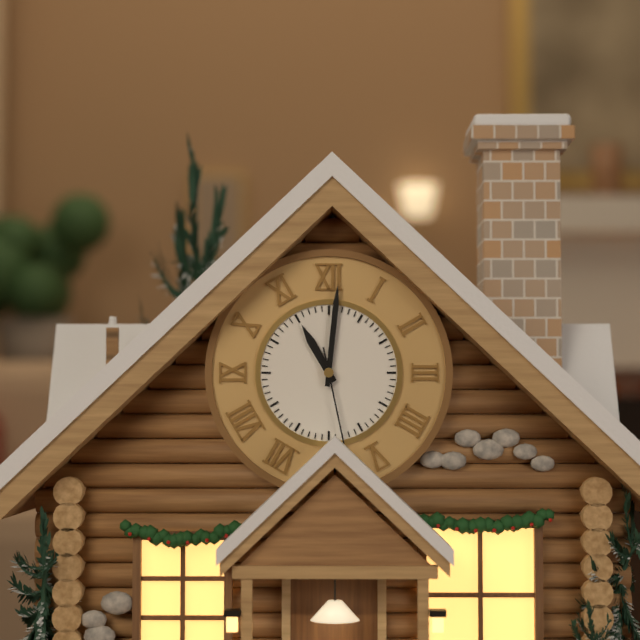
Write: 11 h 01 min 28 s
